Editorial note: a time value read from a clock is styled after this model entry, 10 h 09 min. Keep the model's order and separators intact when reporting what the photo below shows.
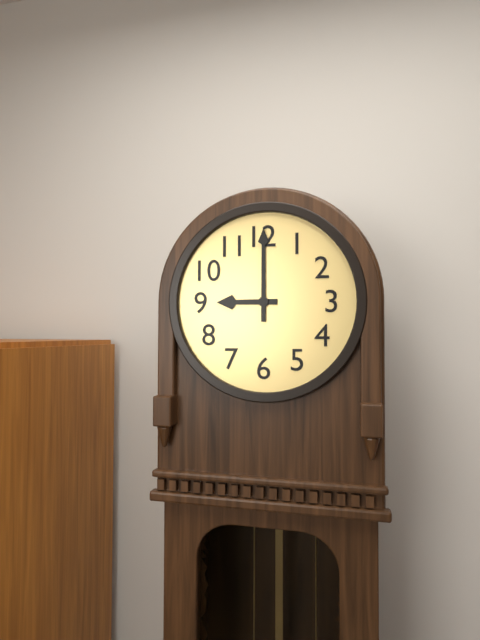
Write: 9 h 00 min
